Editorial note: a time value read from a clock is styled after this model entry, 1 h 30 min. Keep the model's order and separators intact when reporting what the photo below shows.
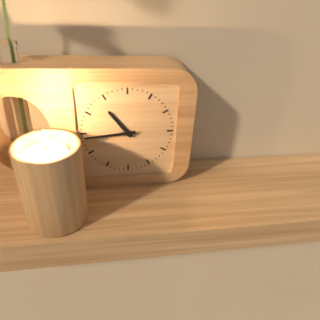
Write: 10 h 44 min
